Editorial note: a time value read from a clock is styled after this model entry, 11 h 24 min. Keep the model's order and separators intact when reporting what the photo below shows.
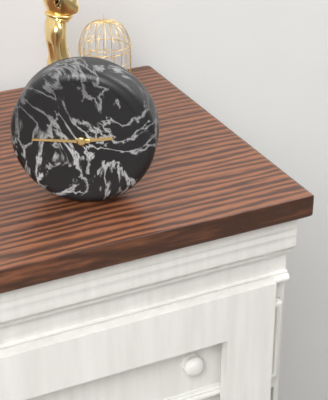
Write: 2 h 45 min
